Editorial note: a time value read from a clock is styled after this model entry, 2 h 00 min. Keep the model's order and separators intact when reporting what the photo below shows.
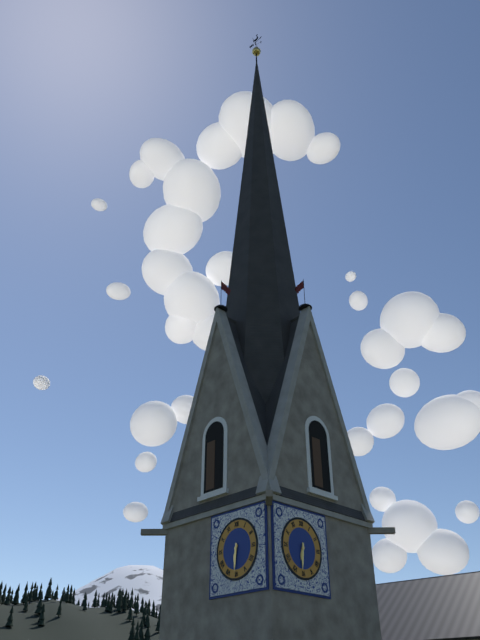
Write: 6 h 31 min
